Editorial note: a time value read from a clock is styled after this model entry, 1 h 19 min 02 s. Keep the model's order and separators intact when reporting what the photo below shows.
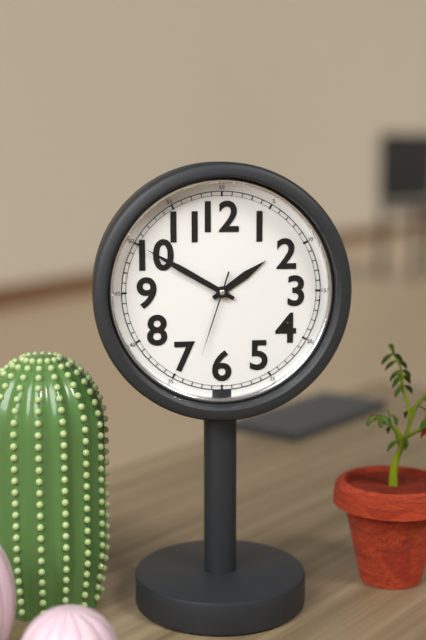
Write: 1 h 50 min 33 s
